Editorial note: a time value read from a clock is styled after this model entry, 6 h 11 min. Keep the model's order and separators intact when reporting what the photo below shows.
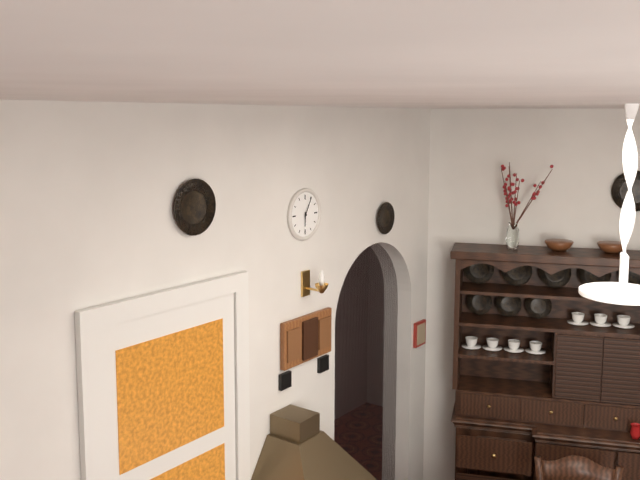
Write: 6 h 05 min
